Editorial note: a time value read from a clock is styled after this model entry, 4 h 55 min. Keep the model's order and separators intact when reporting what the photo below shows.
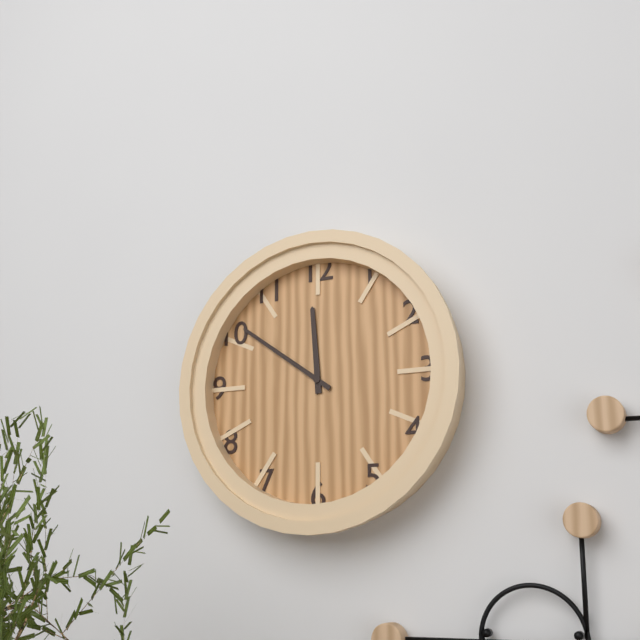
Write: 11 h 51 min
